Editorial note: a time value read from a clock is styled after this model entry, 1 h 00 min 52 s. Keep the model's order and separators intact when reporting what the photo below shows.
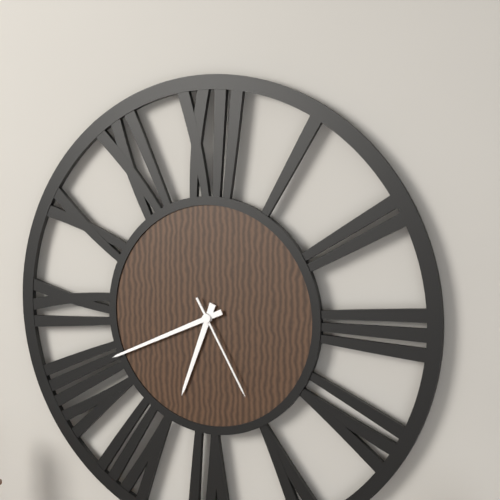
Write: 6 h 41 min 25 s
